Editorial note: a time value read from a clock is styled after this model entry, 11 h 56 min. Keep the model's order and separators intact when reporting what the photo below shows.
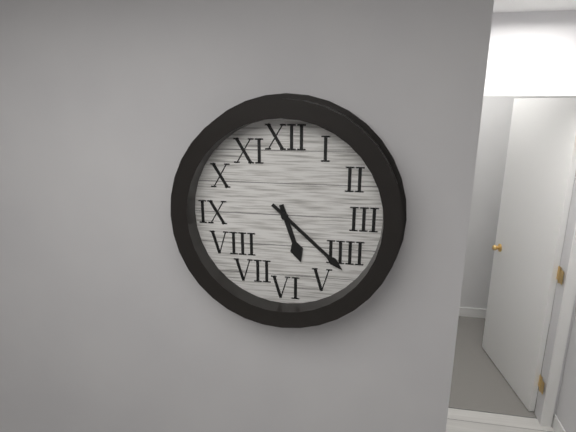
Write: 5 h 22 min
